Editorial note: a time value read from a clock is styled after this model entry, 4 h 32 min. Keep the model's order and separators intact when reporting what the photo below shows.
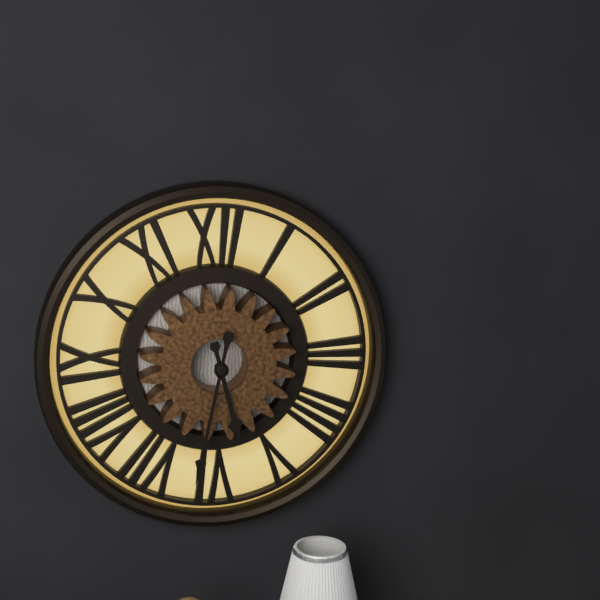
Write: 5 h 32 min
